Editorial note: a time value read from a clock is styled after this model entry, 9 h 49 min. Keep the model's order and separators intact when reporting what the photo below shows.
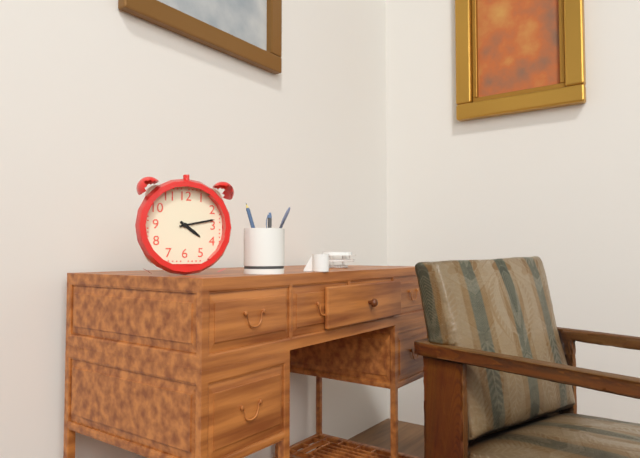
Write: 4 h 13 min
